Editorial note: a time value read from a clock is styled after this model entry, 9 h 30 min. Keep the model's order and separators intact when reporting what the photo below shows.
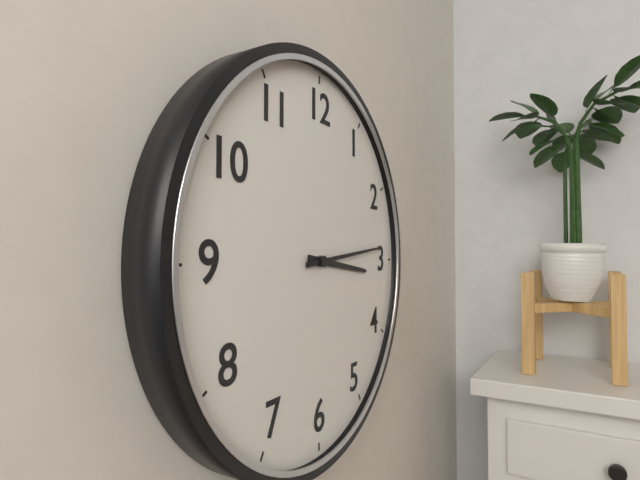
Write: 3 h 14 min
